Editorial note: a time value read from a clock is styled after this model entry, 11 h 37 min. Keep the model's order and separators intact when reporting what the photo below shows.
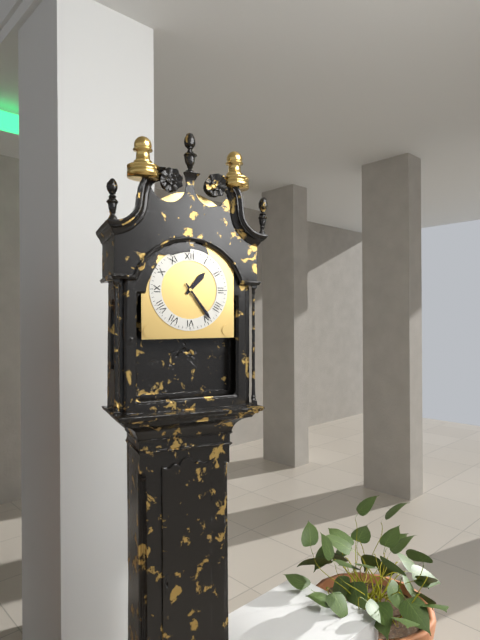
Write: 1 h 24 min
